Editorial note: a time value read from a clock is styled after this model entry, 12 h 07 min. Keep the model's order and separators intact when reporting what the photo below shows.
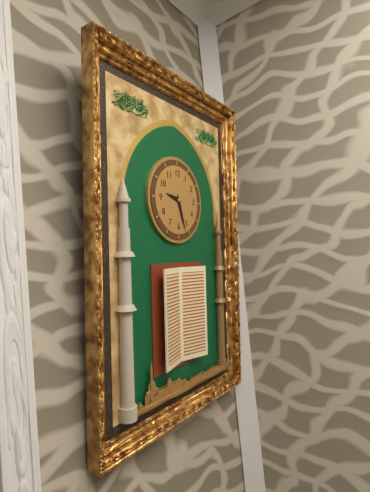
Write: 9 h 27 min
